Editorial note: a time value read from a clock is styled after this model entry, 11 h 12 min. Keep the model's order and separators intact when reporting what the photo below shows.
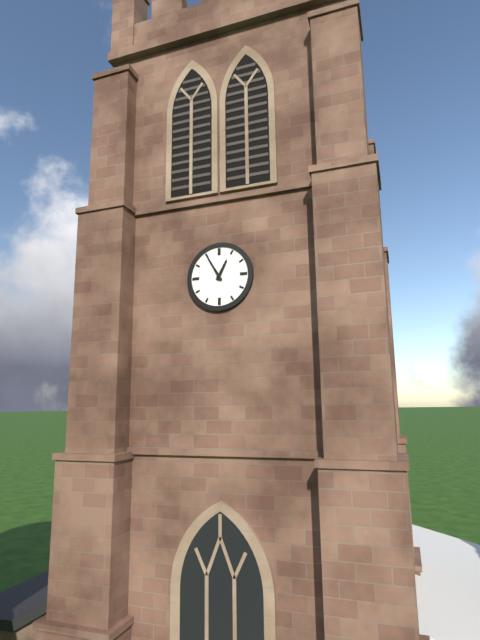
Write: 12 h 55 min
